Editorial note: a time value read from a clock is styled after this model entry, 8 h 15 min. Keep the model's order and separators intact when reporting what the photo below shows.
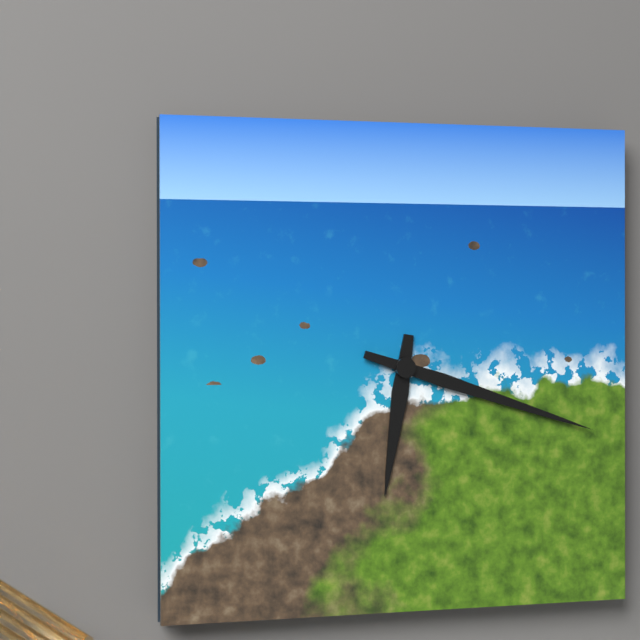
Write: 6 h 18 min
